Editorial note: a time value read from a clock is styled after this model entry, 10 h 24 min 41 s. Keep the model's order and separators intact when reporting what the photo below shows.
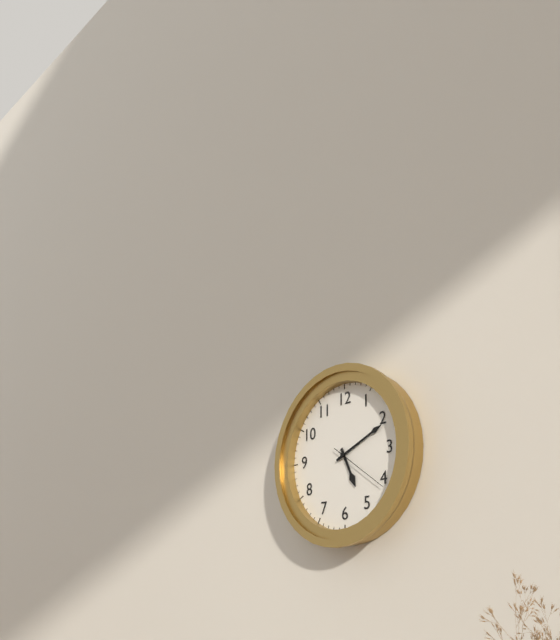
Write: 5 h 11 min 21 s
